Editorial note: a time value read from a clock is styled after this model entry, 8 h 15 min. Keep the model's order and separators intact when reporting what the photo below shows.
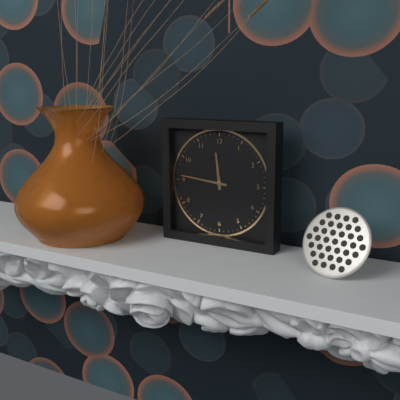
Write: 11 h 46 min
